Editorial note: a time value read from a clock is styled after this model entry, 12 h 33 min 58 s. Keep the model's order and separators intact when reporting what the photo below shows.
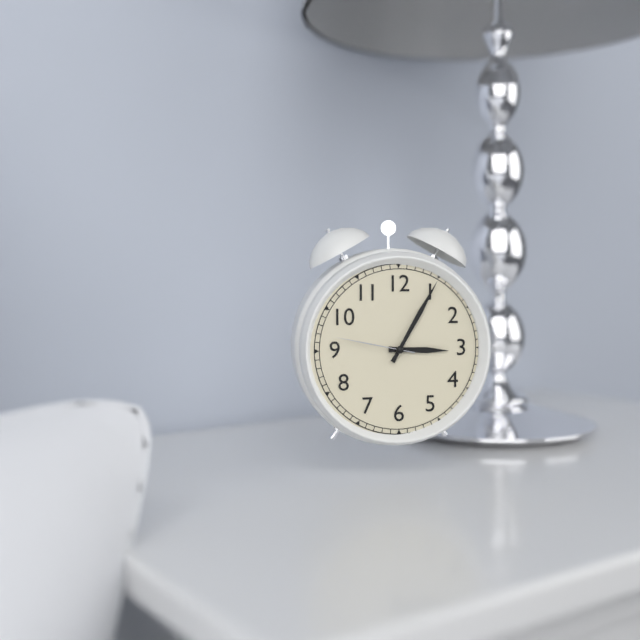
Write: 3 h 05 min 47 s
